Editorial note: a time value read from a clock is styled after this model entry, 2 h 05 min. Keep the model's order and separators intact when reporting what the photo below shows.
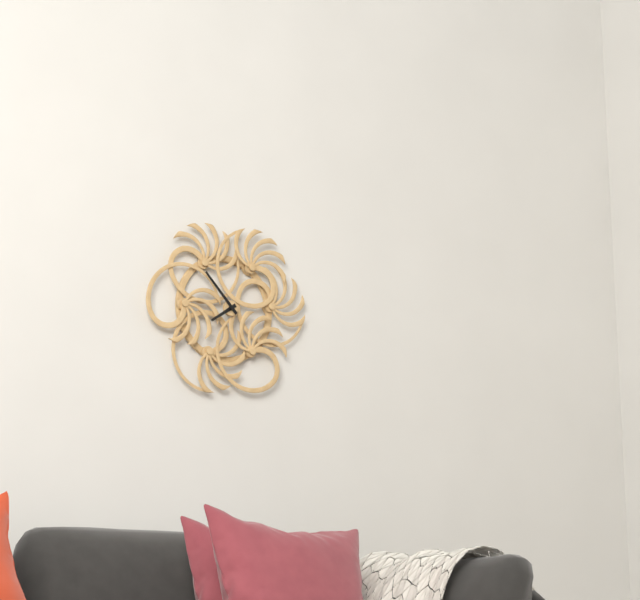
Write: 7 h 53 min
